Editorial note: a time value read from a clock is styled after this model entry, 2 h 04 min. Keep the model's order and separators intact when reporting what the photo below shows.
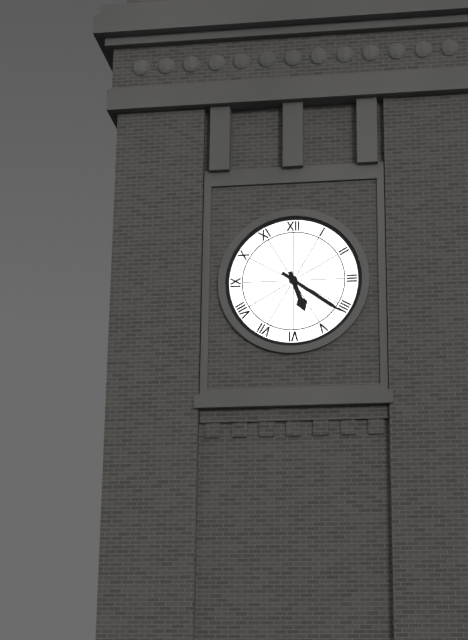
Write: 5 h 21 min
